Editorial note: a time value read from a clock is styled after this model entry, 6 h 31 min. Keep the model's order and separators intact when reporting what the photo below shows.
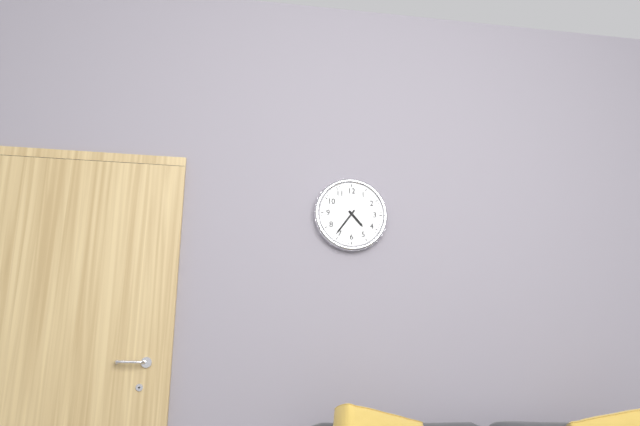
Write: 4 h 36 min
